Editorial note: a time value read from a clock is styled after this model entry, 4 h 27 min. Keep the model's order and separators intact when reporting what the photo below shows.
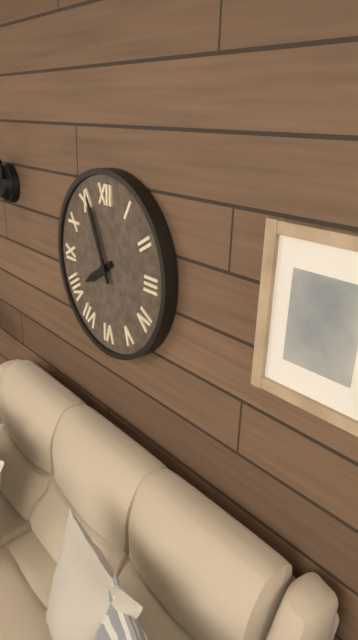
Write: 7 h 56 min
